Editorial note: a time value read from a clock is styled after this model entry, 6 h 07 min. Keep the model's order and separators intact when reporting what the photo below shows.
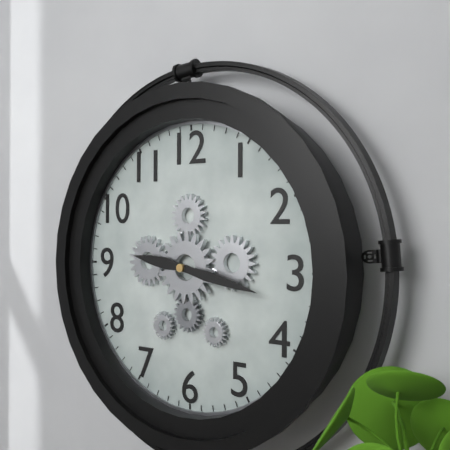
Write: 9 h 17 min
